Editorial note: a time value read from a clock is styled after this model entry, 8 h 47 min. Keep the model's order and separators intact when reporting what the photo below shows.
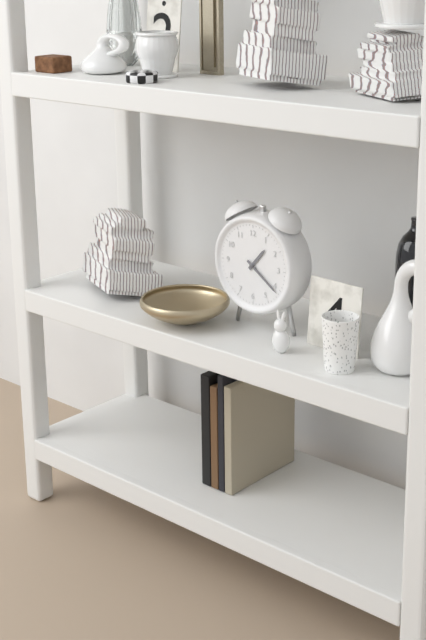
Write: 1 h 21 min
